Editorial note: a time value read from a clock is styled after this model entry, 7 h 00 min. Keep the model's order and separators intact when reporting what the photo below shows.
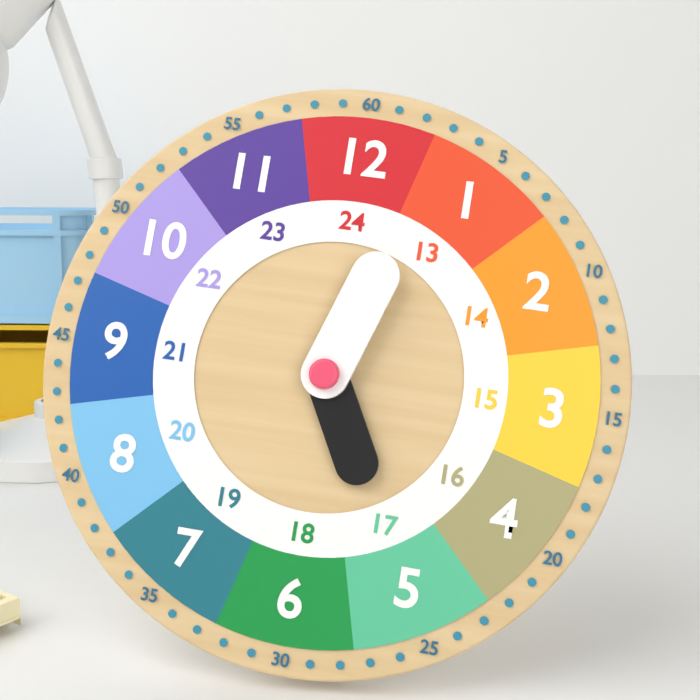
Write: 5 h 03 min
